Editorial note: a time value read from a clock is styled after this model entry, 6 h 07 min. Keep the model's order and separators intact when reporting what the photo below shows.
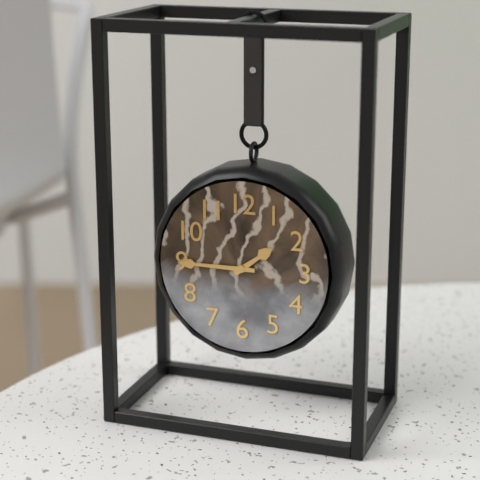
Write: 1 h 45 min
